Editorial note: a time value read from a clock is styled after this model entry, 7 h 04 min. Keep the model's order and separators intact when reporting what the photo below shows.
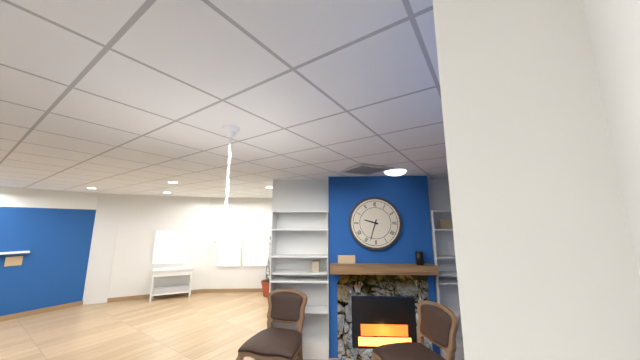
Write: 9 h 33 min
